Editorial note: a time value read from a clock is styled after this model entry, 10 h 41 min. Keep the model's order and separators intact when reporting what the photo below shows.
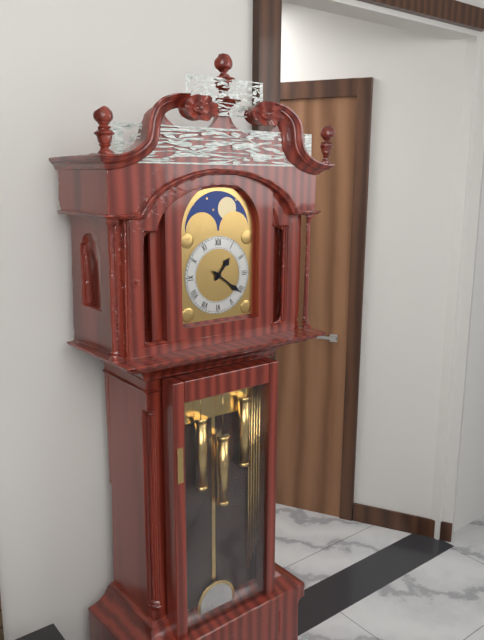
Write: 1 h 21 min
